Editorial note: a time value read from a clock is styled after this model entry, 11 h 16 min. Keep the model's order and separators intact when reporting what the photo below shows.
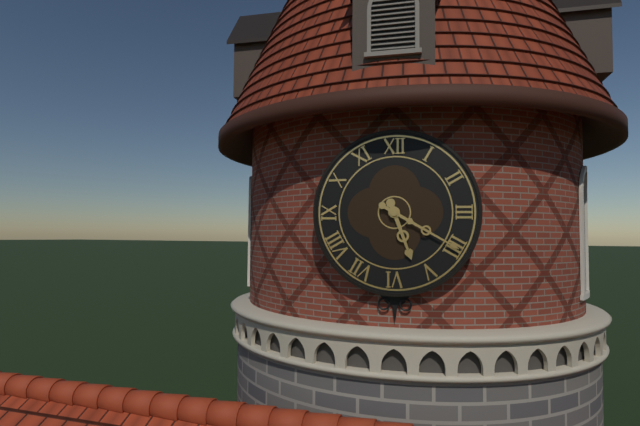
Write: 5 h 20 min
